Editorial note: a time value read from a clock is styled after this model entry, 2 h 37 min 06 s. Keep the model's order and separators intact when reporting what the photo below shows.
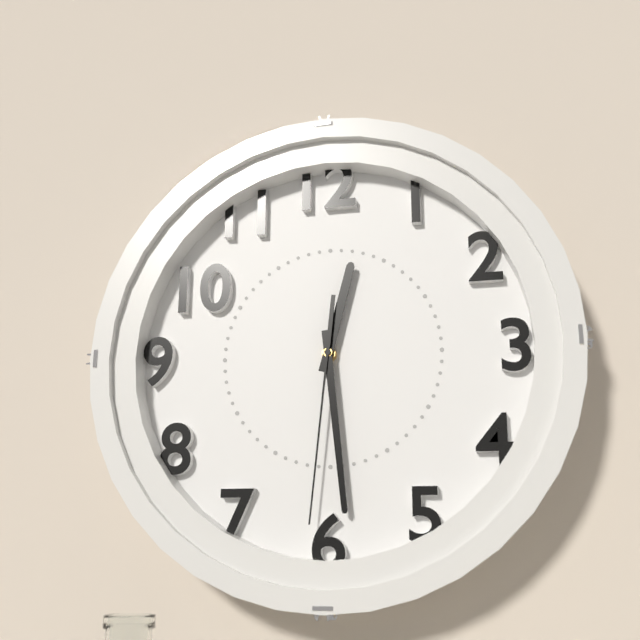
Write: 12 h 29 min 31 s
